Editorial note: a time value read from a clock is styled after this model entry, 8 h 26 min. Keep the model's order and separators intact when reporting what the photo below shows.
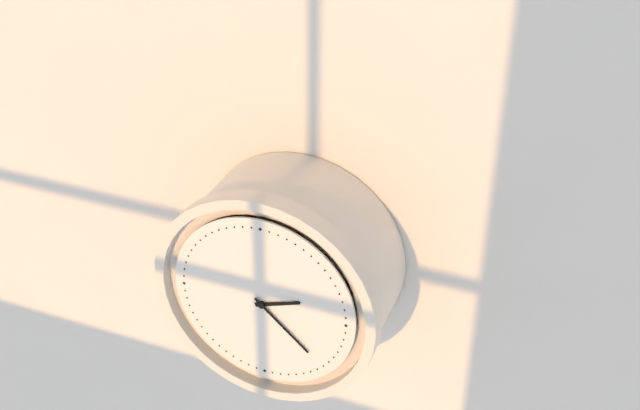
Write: 2 h 22 min
